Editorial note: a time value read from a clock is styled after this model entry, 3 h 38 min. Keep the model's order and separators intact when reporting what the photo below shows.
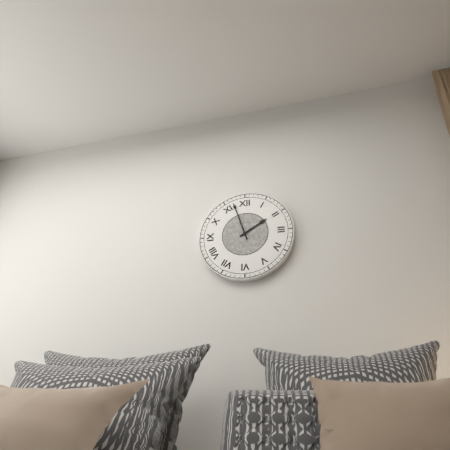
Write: 1 h 57 min
